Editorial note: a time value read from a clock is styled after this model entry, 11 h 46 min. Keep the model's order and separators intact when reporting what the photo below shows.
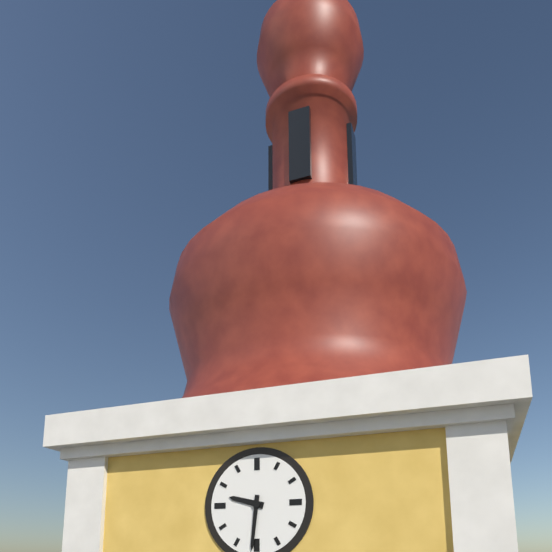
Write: 9 h 31 min
